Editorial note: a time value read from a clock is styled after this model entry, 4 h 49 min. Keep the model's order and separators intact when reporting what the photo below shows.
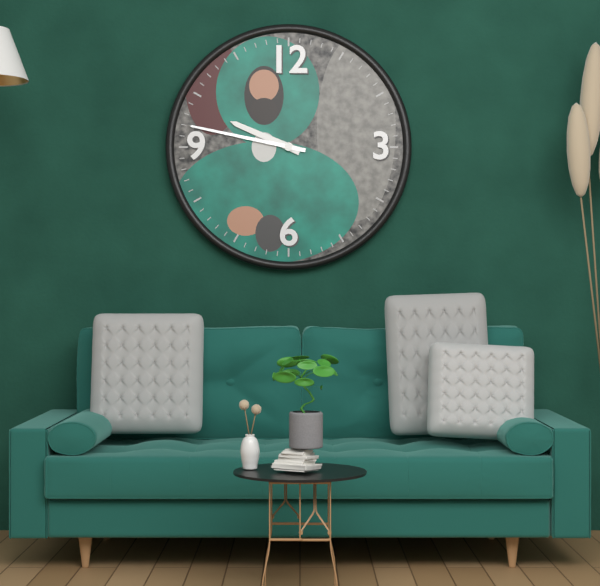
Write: 9 h 47 min
